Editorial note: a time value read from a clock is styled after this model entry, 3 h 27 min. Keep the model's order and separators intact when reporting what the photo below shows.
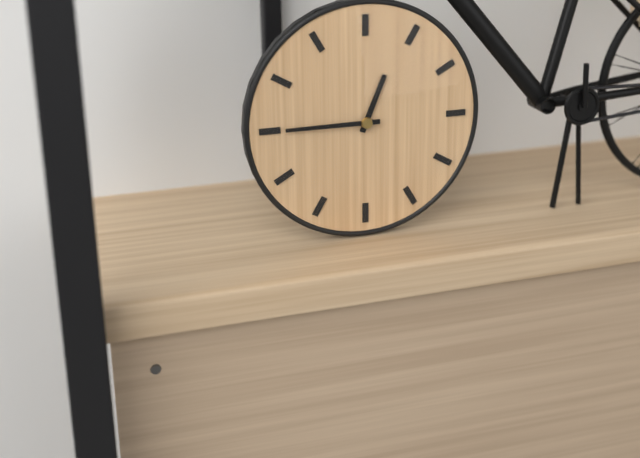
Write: 12 h 45 min
